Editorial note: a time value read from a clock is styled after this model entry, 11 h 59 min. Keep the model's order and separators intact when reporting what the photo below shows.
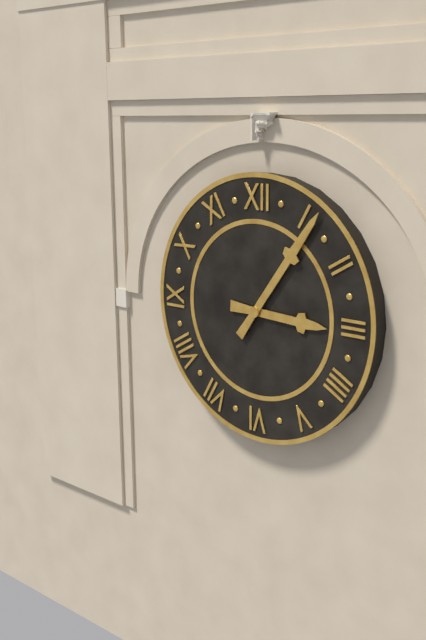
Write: 3 h 06 min
